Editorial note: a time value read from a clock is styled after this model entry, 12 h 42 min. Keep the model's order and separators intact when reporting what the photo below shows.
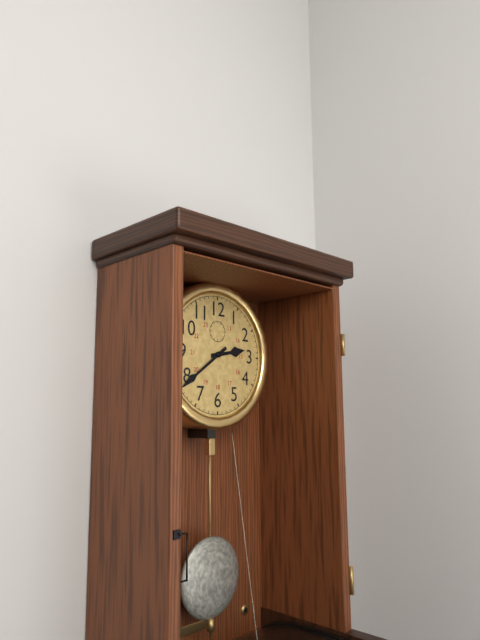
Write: 2 h 39 min
